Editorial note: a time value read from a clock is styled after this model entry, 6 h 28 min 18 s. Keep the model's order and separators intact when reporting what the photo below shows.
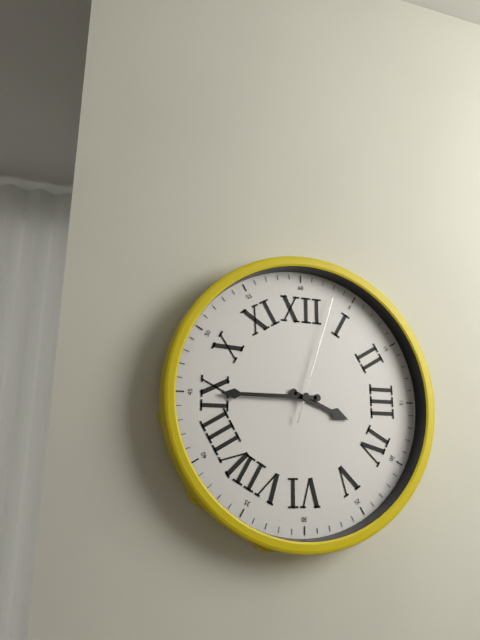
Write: 3 h 45 min 03 s
